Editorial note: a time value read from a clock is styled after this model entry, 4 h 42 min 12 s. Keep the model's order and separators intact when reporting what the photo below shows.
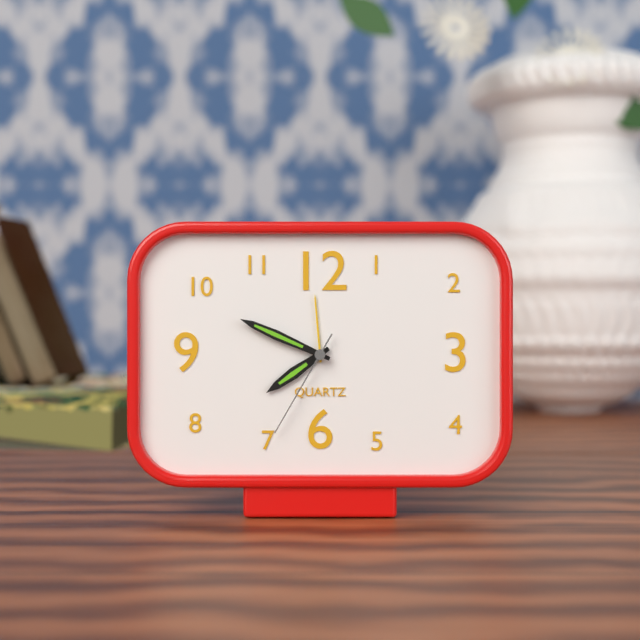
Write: 7 h 49 min 35 s
